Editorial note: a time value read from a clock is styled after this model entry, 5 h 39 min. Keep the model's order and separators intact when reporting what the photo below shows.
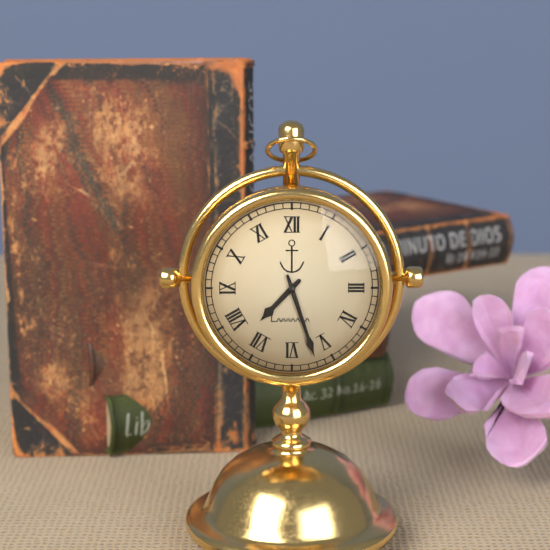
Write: 7 h 27 min
